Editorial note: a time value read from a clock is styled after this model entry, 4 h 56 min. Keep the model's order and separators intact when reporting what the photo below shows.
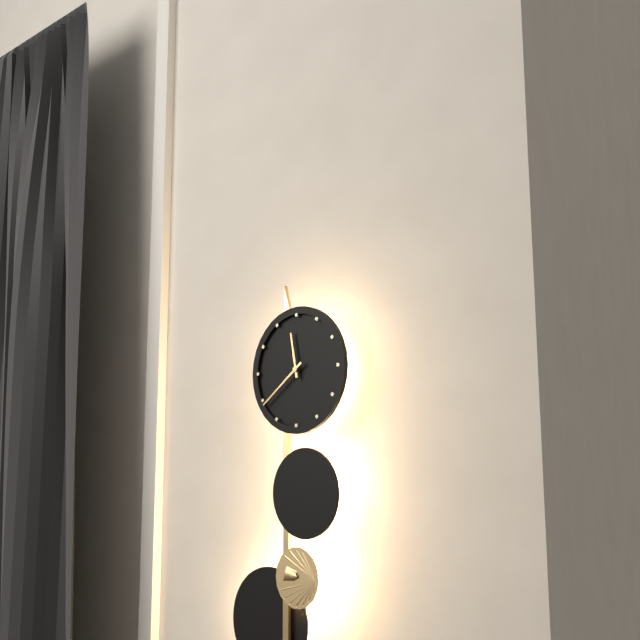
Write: 11 h 39 min
